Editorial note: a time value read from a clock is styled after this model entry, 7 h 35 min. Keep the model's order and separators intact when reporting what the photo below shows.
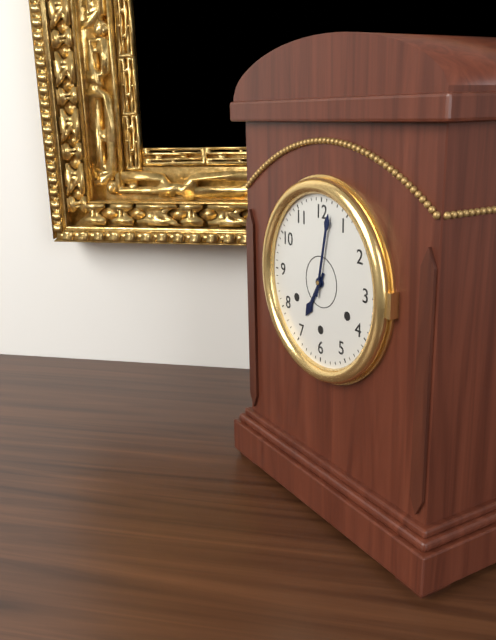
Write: 7 h 02 min
